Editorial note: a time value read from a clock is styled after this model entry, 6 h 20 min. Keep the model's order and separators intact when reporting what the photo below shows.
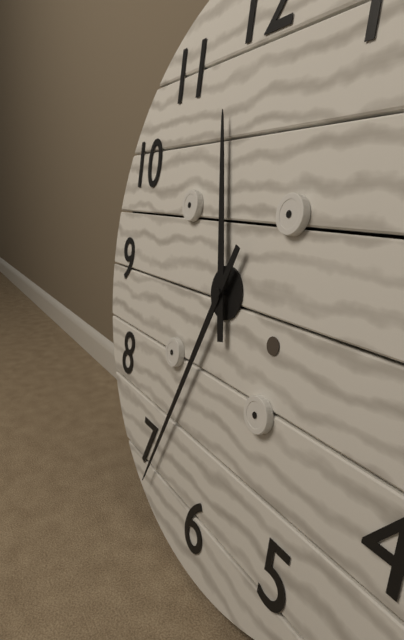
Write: 11 h 34 min
